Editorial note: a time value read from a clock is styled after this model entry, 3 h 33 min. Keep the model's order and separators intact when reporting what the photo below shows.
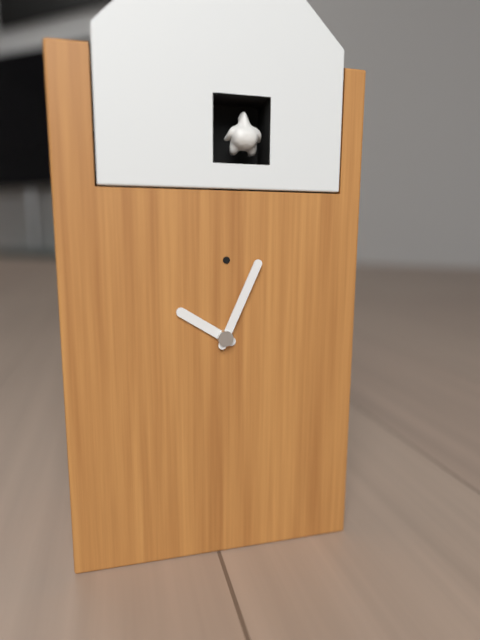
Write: 10 h 04 min
